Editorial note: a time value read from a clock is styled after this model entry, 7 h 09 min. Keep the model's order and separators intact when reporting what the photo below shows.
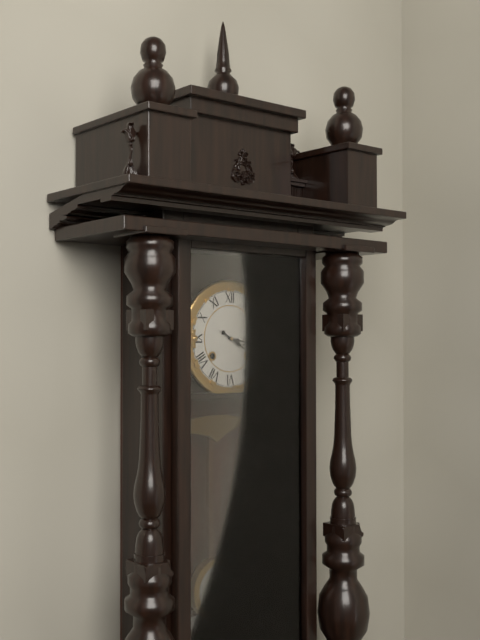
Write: 3 h 20 min
